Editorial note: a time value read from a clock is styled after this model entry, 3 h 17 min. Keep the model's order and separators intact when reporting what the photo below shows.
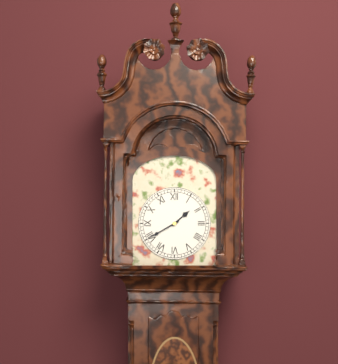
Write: 1 h 40 min
